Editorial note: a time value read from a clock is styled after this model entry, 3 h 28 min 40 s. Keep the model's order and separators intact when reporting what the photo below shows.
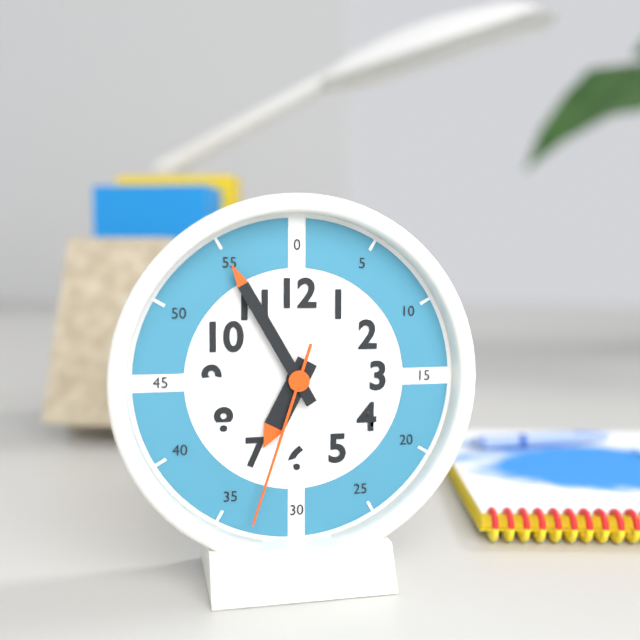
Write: 6 h 55 min 33 s
